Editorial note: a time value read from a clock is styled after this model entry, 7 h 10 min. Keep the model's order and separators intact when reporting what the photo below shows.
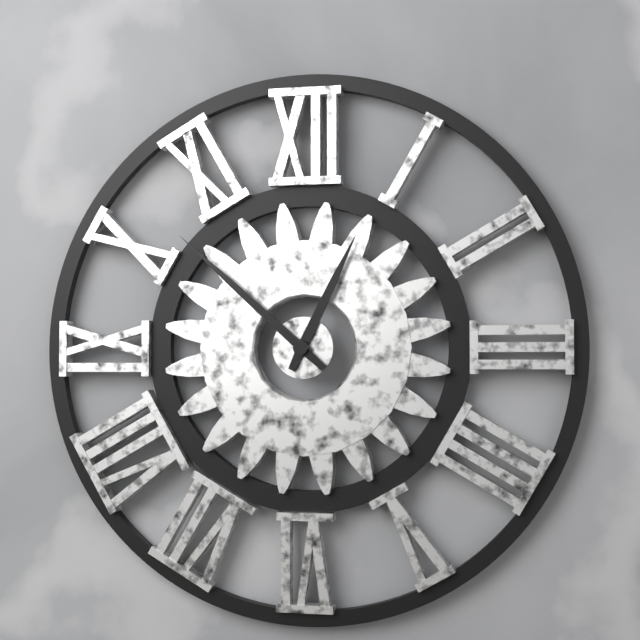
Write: 12 h 52 min
